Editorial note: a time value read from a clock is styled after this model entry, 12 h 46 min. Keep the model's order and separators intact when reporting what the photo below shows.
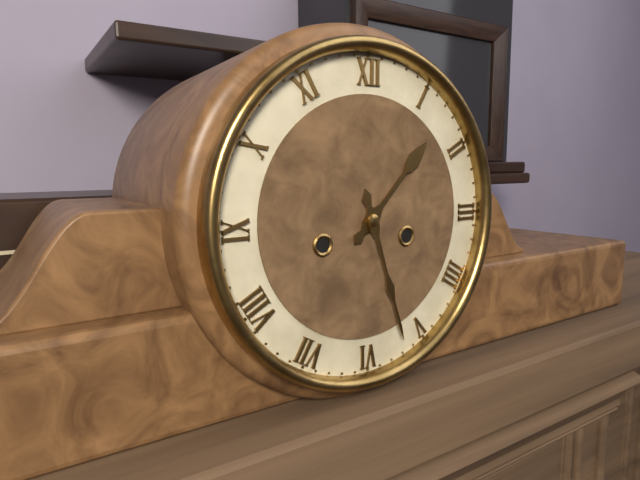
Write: 1 h 27 min
